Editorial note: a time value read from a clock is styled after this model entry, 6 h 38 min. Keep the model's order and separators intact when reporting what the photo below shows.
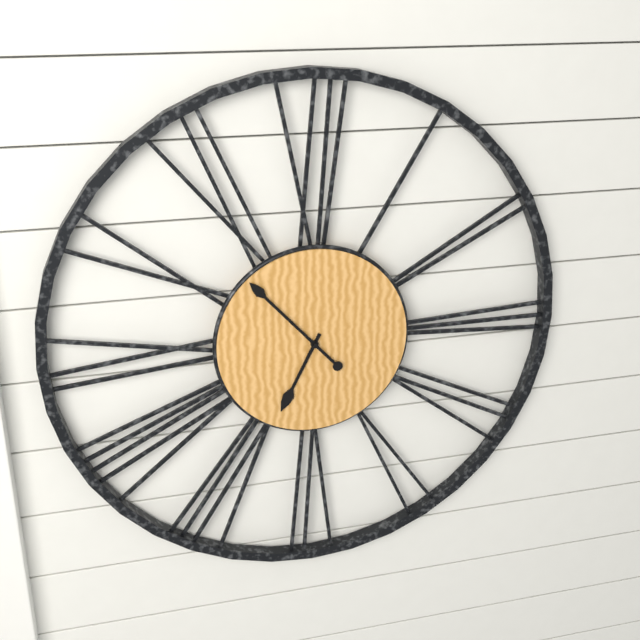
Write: 6 h 53 min
